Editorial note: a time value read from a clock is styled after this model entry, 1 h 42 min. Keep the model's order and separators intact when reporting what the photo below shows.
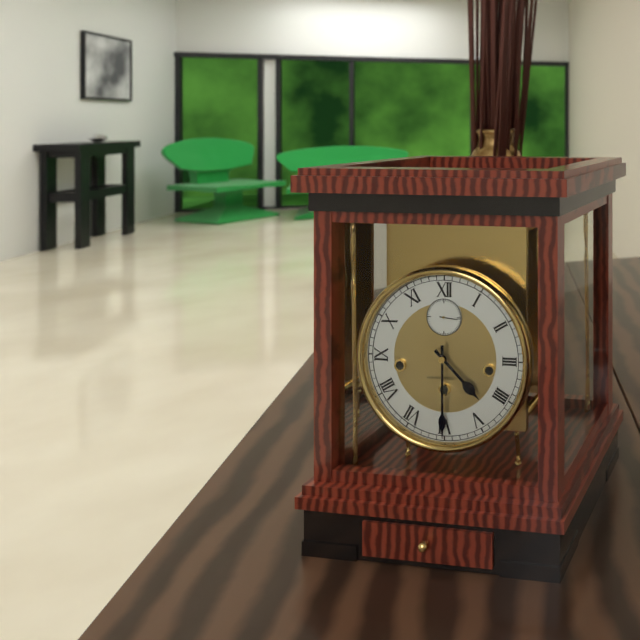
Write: 4 h 30 min
